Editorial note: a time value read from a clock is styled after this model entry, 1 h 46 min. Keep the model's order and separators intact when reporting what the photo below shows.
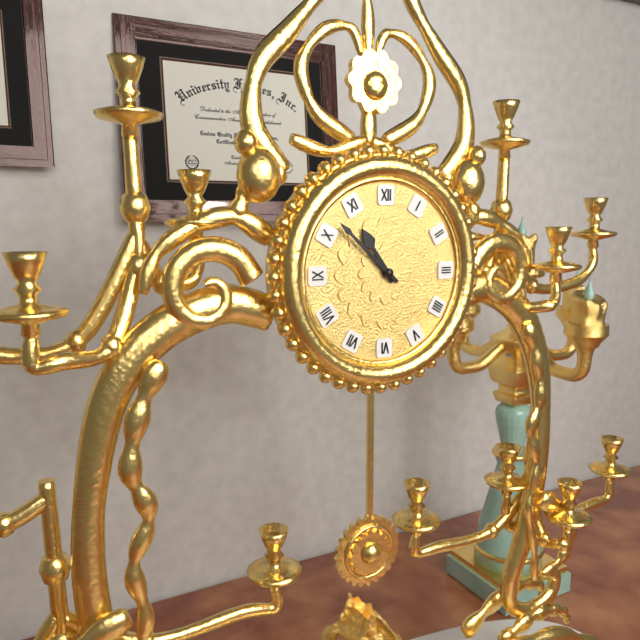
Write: 10 h 52 min
